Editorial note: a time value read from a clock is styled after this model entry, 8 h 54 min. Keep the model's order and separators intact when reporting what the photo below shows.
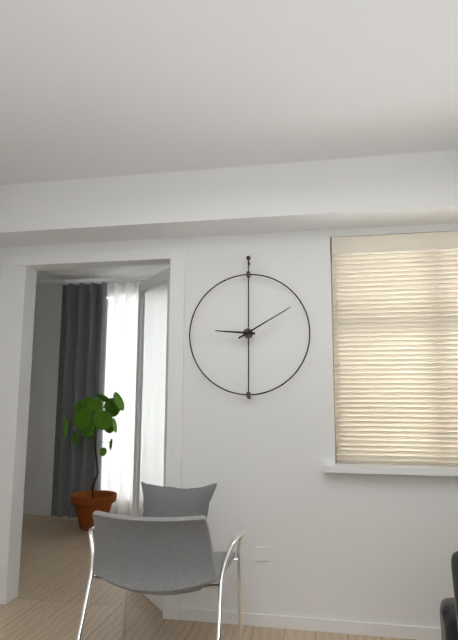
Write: 9 h 10 min
